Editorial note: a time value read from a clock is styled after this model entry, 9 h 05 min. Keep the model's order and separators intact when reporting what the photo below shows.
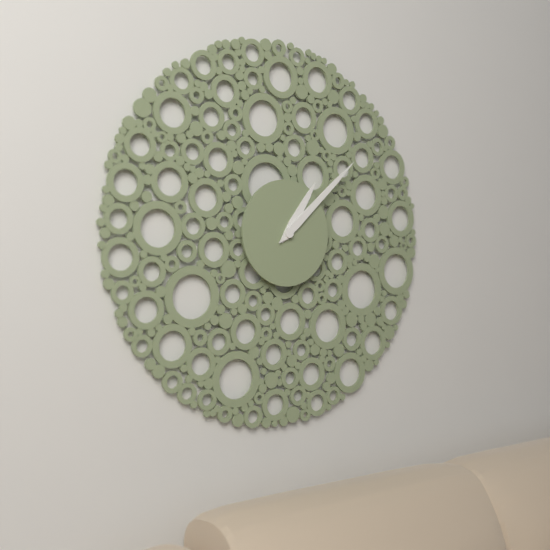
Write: 1 h 08 min
